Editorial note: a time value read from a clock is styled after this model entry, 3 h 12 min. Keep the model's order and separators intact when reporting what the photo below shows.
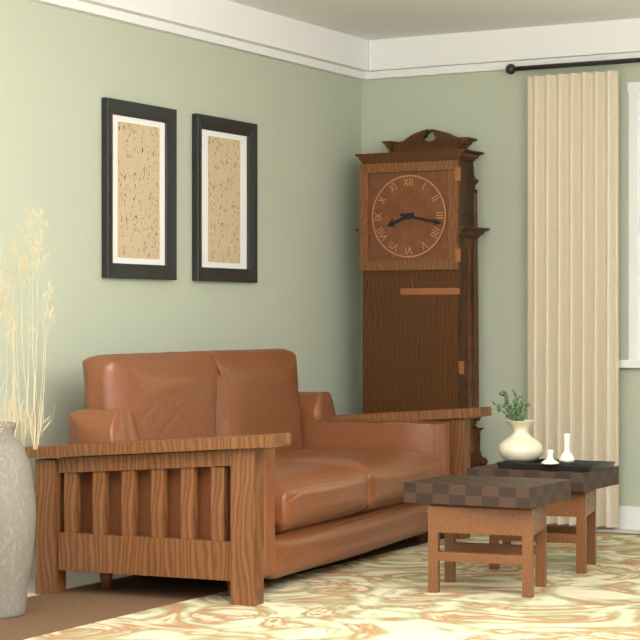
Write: 8 h 17 min
